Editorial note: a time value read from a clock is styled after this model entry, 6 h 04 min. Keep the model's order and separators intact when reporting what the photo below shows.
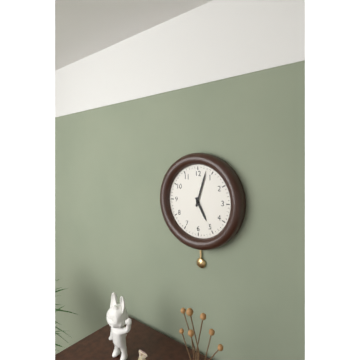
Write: 5 h 03 min
